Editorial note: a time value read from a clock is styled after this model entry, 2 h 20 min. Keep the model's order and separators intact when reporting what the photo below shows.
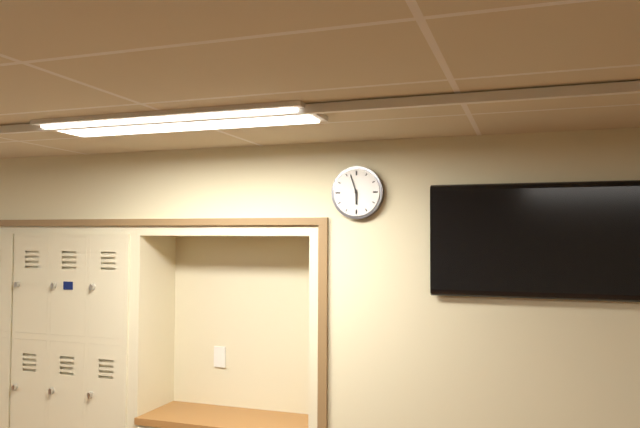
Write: 5 h 57 min
